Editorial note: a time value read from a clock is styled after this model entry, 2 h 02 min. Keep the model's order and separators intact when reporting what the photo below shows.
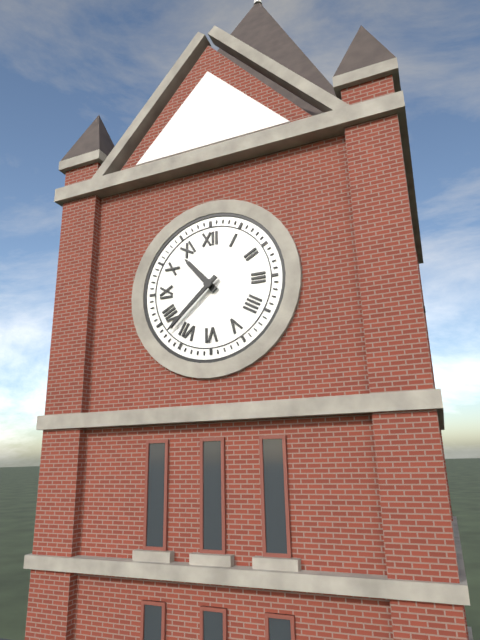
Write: 10 h 38 min
